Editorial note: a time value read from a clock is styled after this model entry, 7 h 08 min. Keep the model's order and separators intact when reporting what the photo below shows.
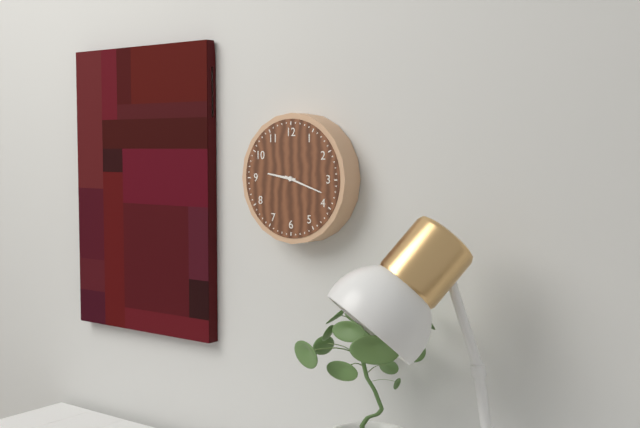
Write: 9 h 18 min
